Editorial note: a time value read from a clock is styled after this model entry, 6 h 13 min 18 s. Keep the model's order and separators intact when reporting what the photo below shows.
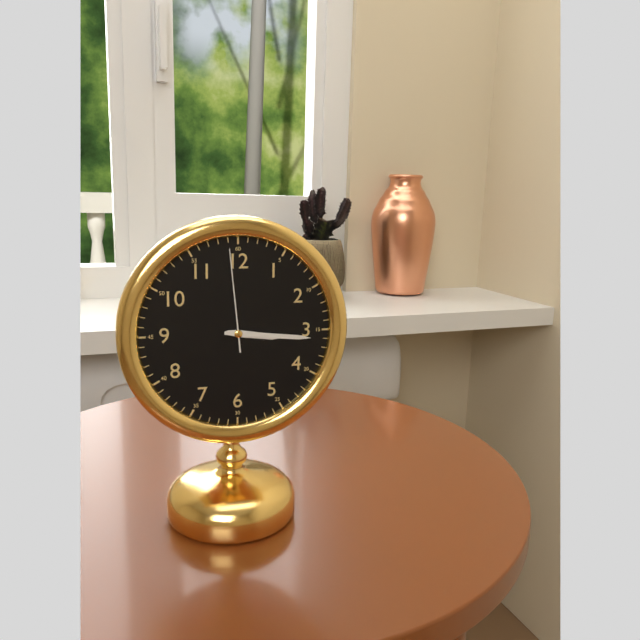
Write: 3 h 16 min 59 s
